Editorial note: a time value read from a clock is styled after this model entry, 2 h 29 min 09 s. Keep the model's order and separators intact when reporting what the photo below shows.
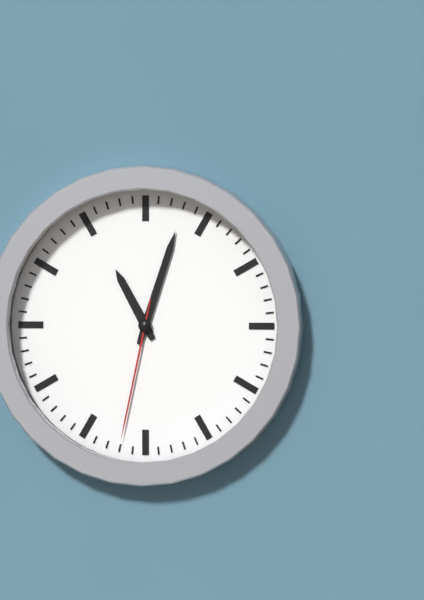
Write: 11 h 03 min 32 s
